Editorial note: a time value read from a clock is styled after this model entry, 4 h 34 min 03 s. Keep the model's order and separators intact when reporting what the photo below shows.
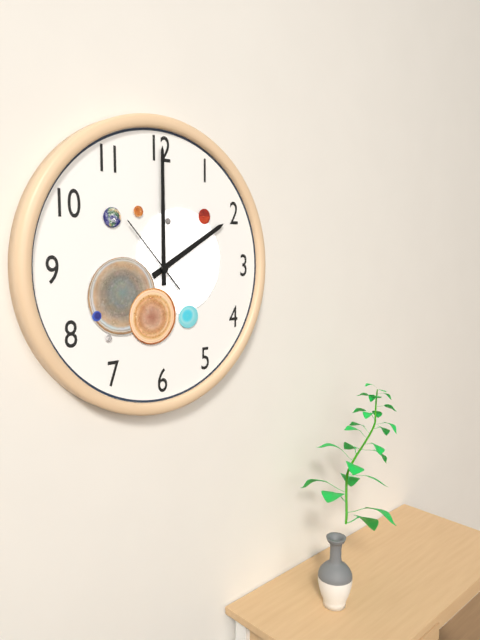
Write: 2 h 00 min 53 s
